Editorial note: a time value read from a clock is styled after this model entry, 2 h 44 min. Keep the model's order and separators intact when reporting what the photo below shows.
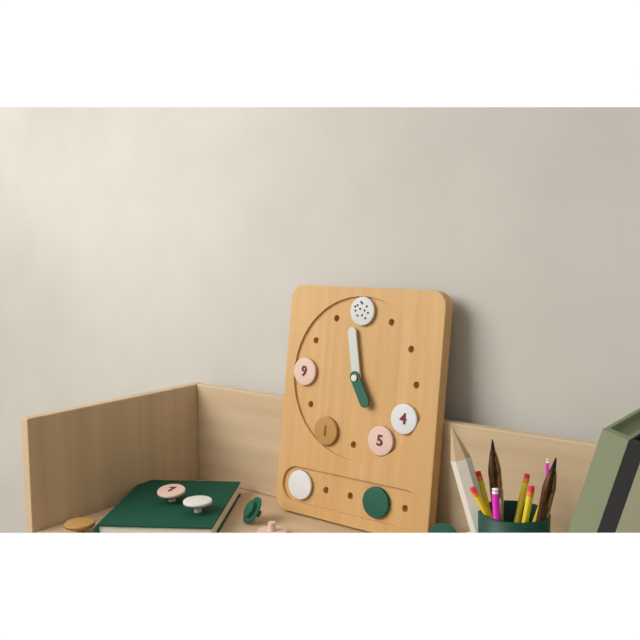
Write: 4 h 58 min
